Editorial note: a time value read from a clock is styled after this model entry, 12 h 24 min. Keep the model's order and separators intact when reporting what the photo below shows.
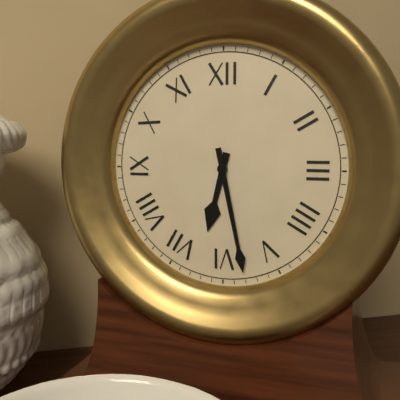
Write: 6 h 28 min
